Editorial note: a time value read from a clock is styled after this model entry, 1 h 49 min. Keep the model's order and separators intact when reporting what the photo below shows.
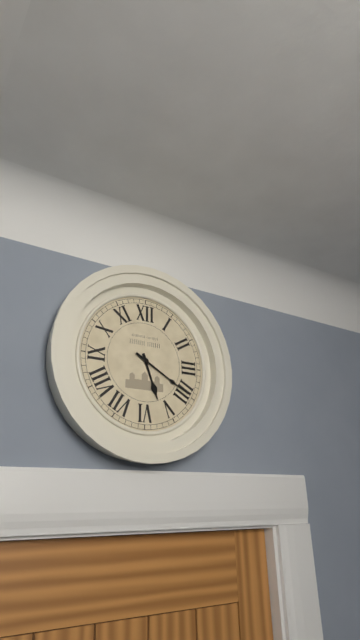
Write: 5 h 20 min
